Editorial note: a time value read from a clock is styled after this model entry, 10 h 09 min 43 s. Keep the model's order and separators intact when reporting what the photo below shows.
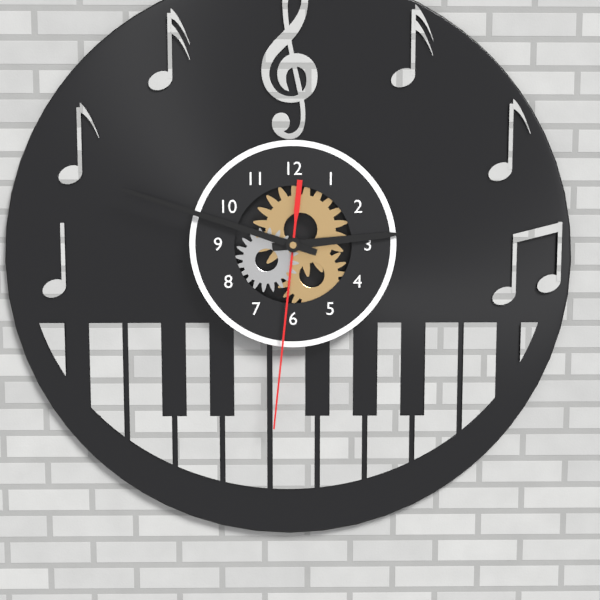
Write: 2 h 48 min 31 s
